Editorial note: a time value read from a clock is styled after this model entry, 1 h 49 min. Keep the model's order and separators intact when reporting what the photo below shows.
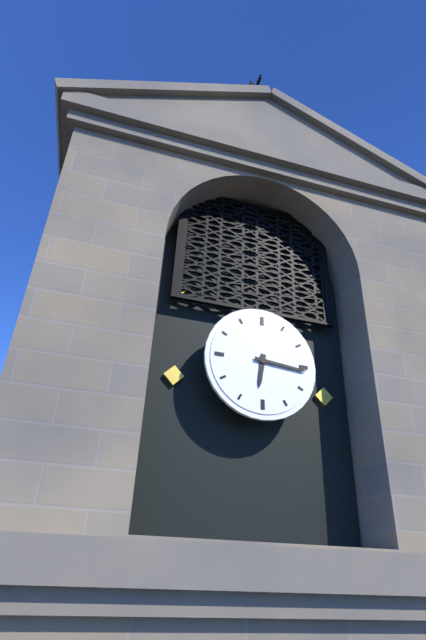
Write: 6 h 16 min
